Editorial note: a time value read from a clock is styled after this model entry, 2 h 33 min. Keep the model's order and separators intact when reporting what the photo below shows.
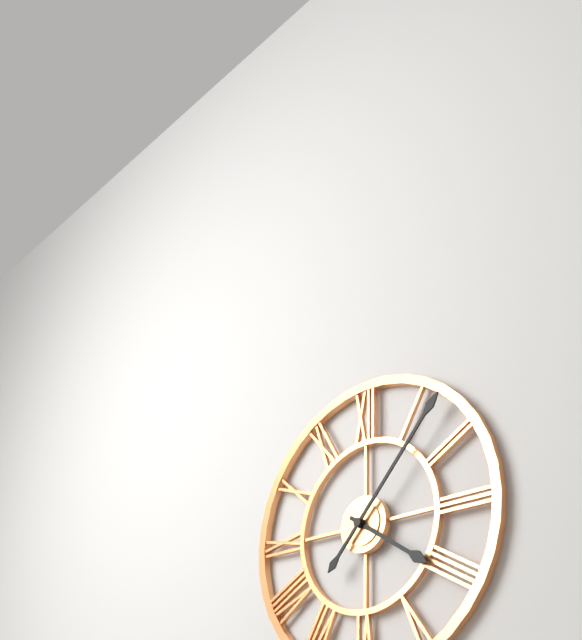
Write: 4 h 07 min
